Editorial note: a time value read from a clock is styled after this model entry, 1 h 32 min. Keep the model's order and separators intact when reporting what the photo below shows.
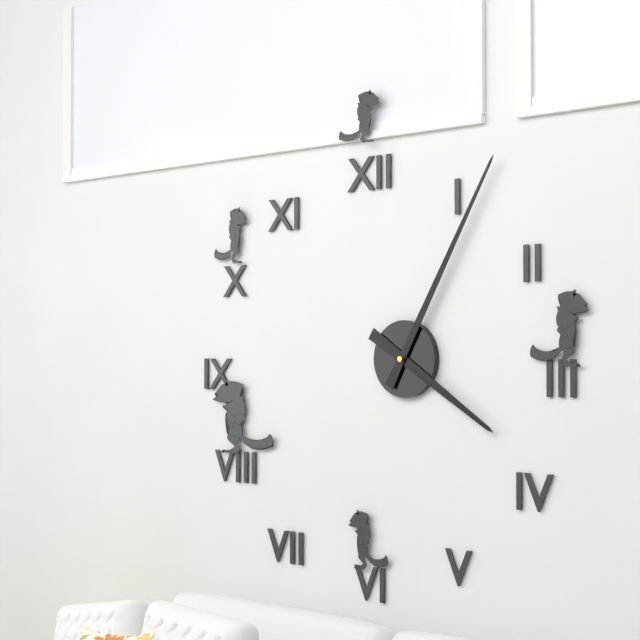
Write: 4 h 05 min
